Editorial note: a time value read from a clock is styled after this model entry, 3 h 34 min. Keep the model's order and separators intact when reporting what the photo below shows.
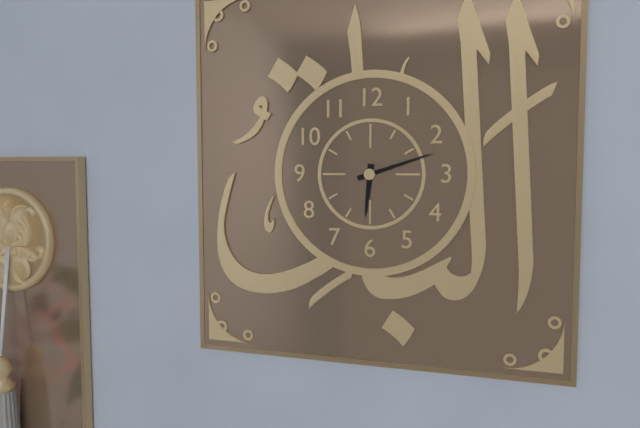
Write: 6 h 12 min
